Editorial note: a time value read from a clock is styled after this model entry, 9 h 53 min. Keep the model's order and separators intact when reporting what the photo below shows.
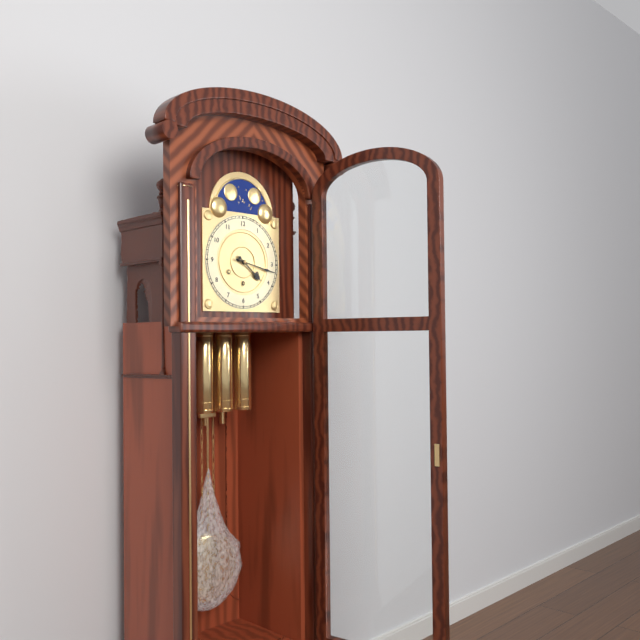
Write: 4 h 17 min
